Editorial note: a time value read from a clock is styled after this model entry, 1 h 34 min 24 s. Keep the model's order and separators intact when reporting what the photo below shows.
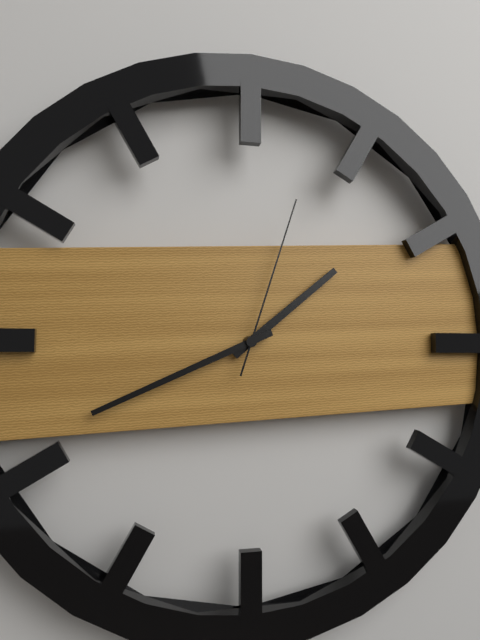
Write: 1 h 41 min 03 s
